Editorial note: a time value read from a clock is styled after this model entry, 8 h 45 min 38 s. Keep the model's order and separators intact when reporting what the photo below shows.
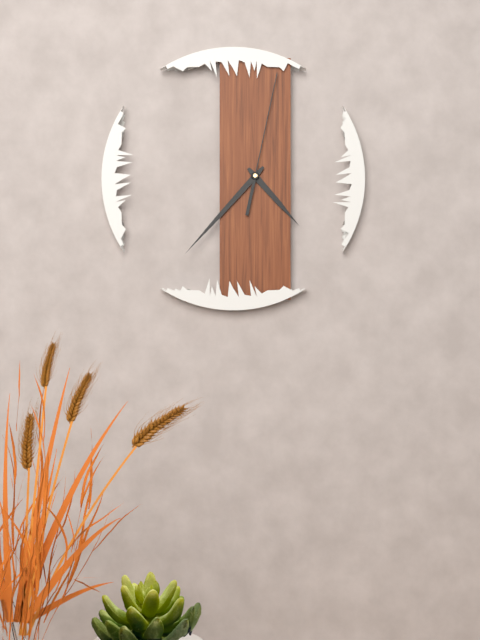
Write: 4 h 37 min 02 s
